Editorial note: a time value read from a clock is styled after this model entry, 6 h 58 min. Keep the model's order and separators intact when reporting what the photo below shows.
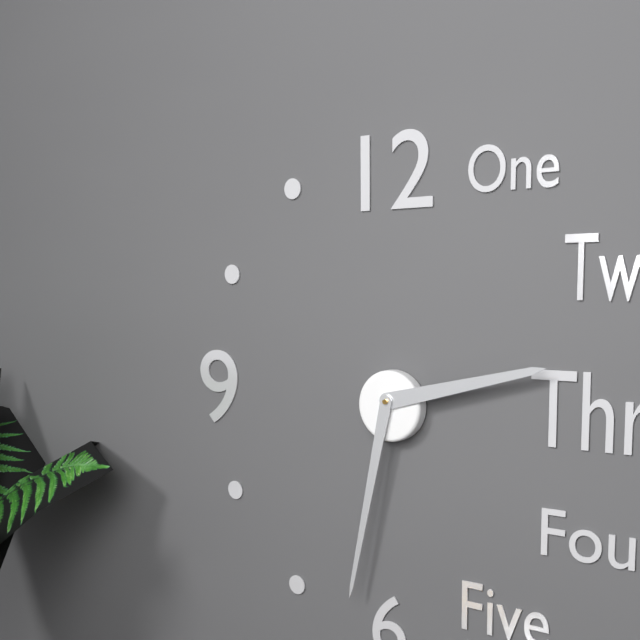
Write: 2 h 32 min
